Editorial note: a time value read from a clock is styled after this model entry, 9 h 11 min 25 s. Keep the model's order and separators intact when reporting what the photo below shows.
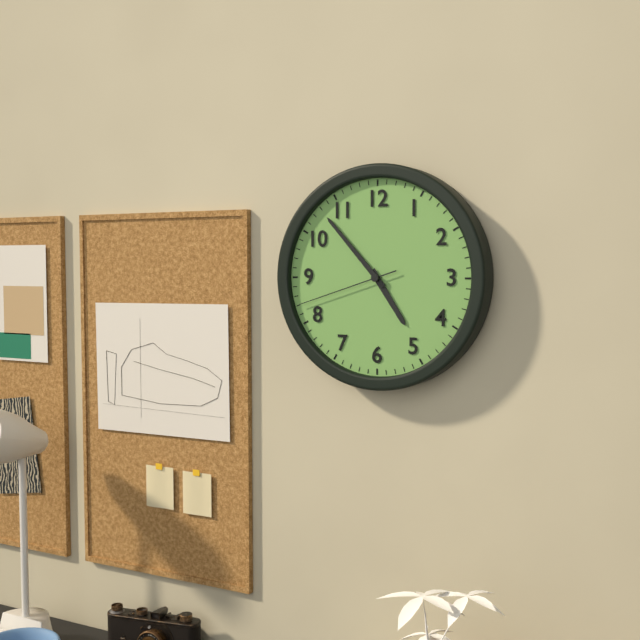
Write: 4 h 53 min 42 s
